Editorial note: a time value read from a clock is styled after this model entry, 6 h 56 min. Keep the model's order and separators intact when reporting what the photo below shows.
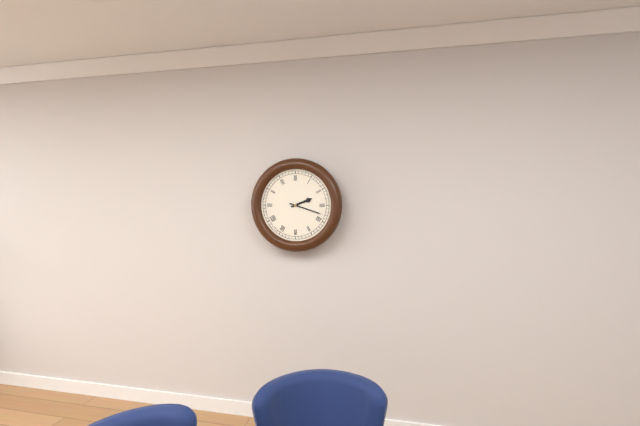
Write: 2 h 18 min
